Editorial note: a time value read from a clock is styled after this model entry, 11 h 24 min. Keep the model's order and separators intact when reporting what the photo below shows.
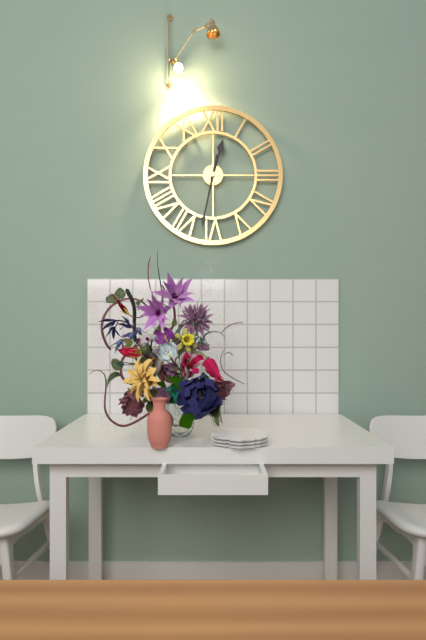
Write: 12 h 32 min
